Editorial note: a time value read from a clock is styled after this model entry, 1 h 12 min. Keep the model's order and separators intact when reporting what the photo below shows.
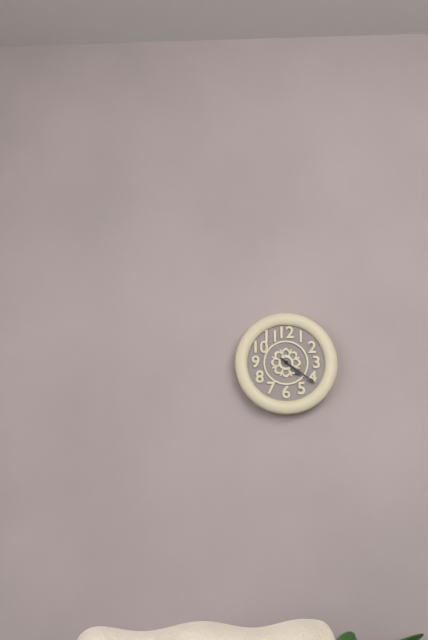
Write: 4 h 21 min
